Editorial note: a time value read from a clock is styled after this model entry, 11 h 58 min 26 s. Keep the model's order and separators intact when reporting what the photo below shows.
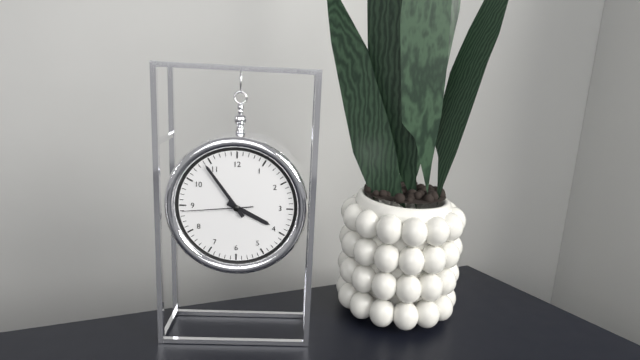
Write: 3 h 54 min 44 s
